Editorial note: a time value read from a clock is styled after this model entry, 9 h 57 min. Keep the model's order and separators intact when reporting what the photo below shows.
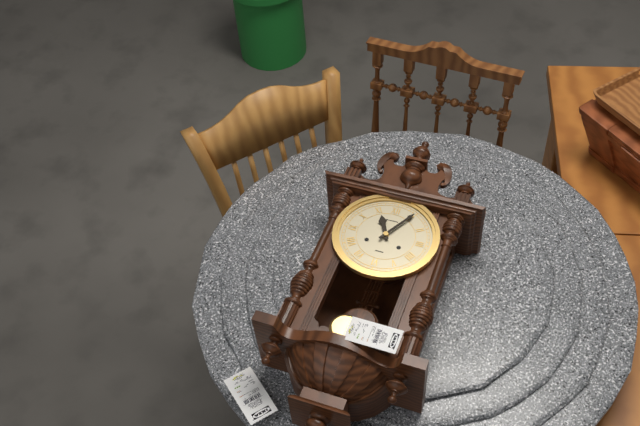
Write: 11 h 05 min
